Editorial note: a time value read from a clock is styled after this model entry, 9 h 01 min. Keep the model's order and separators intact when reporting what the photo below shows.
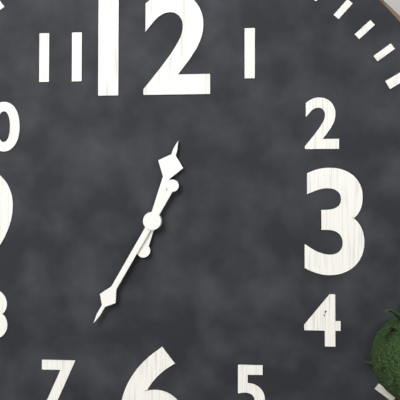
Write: 12 h 35 min
